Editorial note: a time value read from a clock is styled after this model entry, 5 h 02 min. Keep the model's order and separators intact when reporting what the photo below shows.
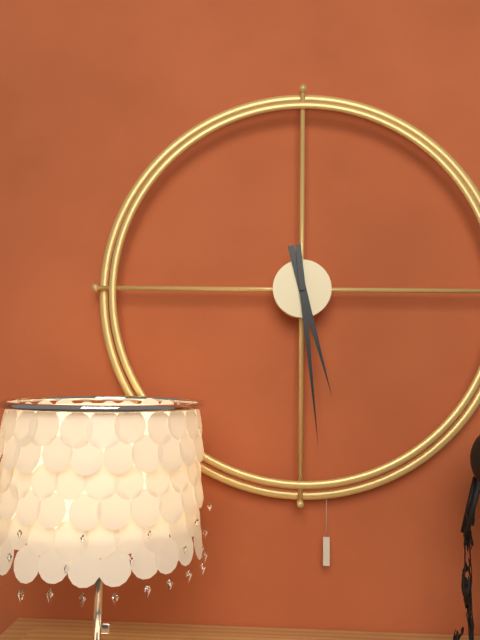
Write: 5 h 29 min
